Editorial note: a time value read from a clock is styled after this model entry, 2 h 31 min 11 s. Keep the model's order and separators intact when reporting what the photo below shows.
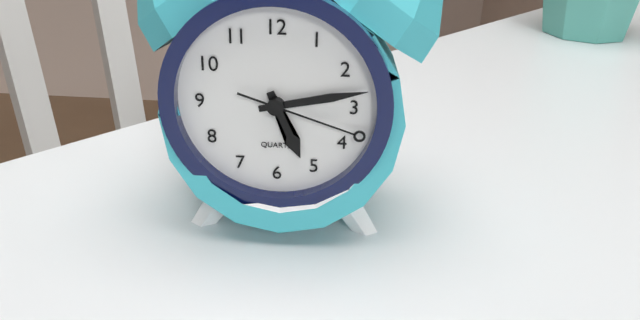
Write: 5 h 13 min 18 s
